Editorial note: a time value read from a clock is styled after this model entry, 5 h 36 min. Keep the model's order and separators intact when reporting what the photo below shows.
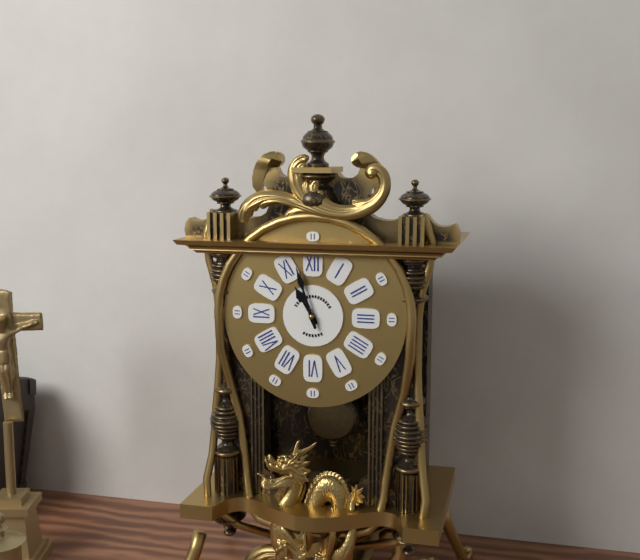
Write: 10 h 57 min
